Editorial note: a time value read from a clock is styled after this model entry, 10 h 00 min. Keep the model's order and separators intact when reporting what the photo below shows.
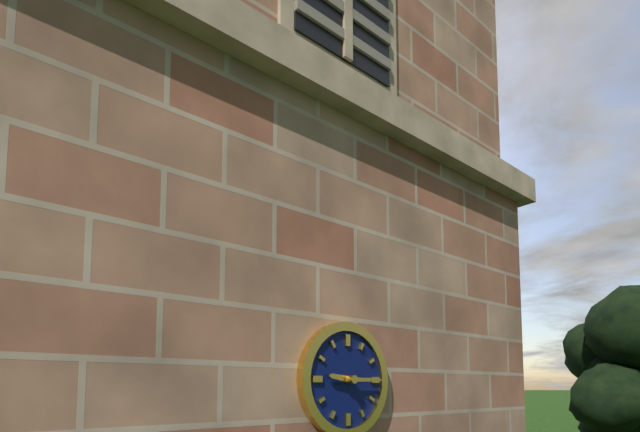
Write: 9 h 15 min
